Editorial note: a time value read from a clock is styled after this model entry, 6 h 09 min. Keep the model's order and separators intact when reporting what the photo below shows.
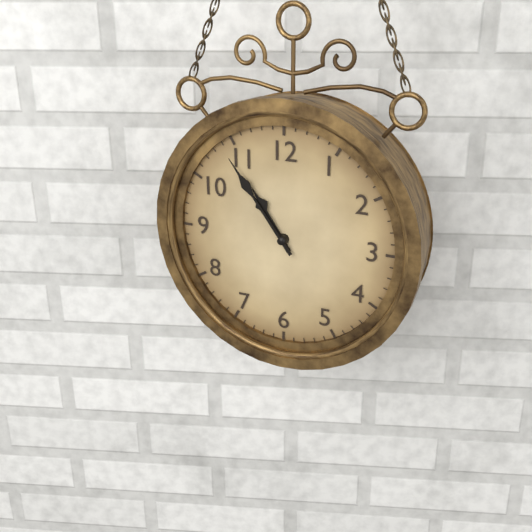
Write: 10 h 54 min
